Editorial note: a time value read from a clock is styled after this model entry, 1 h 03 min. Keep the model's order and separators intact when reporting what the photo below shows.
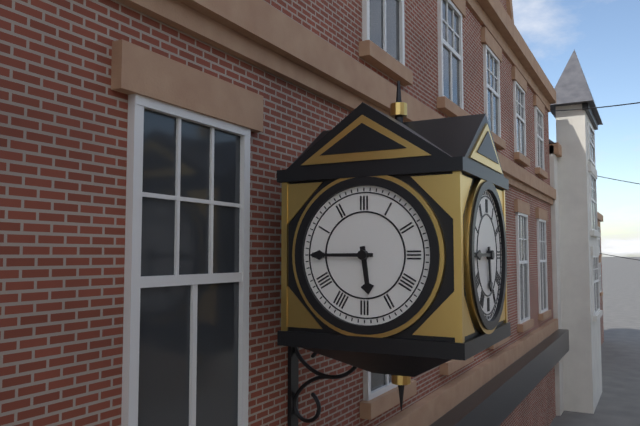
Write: 5 h 45 min
